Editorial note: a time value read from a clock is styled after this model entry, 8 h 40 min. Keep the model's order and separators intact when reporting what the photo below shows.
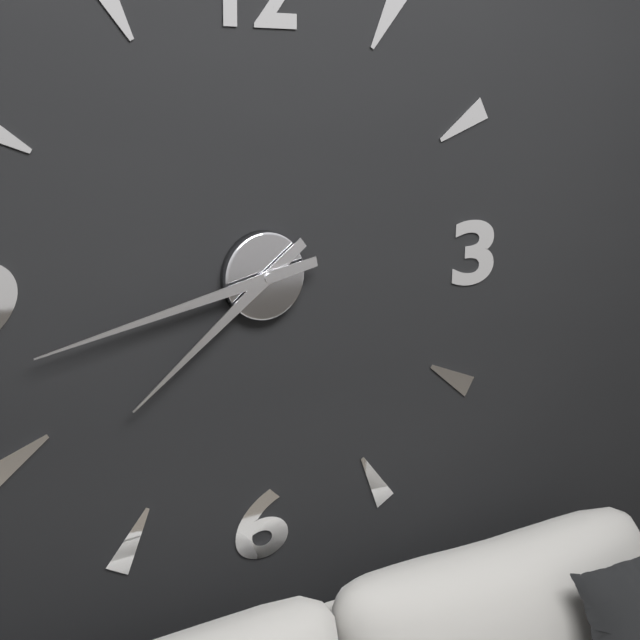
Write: 7 h 43 min
